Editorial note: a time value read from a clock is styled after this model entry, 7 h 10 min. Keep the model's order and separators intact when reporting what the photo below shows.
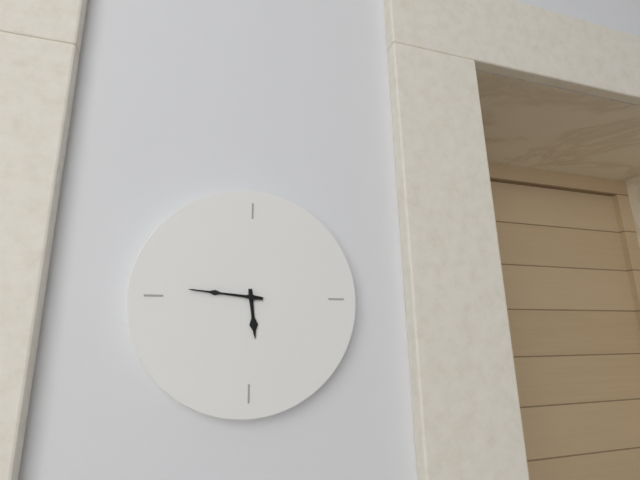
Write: 5 h 46 min
